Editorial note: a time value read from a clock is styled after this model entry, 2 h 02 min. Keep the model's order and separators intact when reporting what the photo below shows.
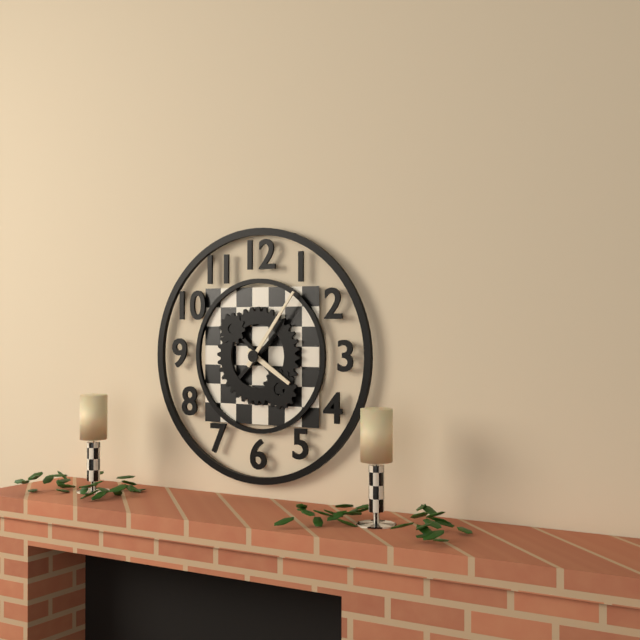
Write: 4 h 06 min
